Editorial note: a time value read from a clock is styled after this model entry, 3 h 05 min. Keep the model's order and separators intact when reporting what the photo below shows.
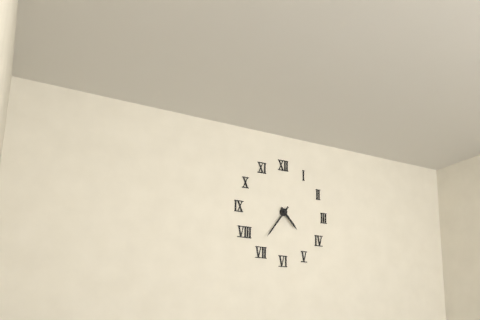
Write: 4 h 36 min
